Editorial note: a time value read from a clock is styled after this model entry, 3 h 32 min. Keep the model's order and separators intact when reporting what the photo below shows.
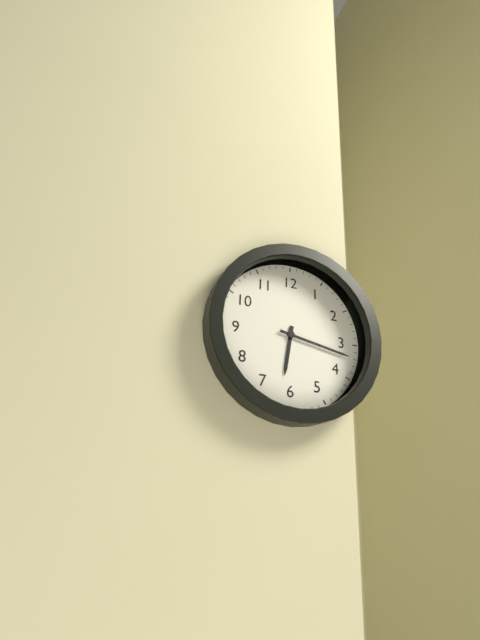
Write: 6 h 17 min
